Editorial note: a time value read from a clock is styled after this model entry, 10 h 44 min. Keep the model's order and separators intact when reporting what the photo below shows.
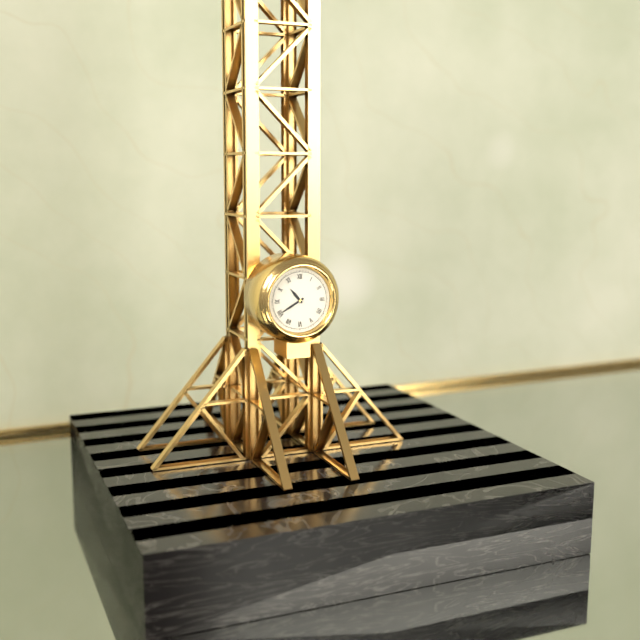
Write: 10 h 40 min
